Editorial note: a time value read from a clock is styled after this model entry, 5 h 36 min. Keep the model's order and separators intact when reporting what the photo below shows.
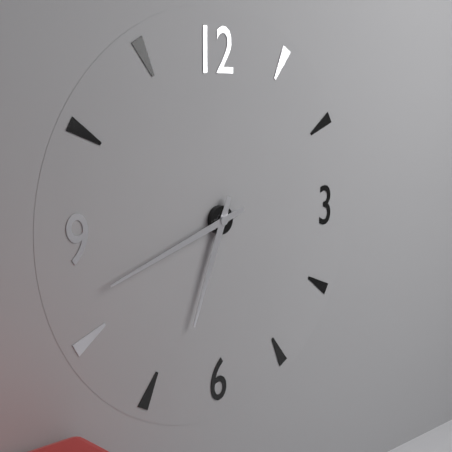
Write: 6 h 42 min
